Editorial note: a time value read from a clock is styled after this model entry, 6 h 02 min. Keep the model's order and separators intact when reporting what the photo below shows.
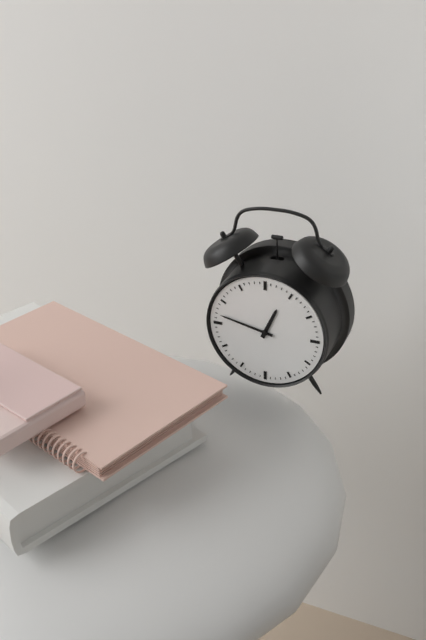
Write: 12 h 47 min
